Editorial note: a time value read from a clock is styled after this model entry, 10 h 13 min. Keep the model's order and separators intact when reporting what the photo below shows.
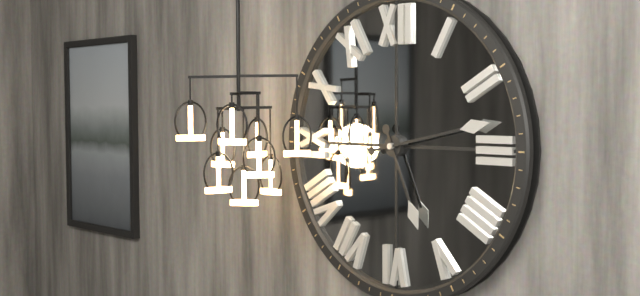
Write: 5 h 13 min
